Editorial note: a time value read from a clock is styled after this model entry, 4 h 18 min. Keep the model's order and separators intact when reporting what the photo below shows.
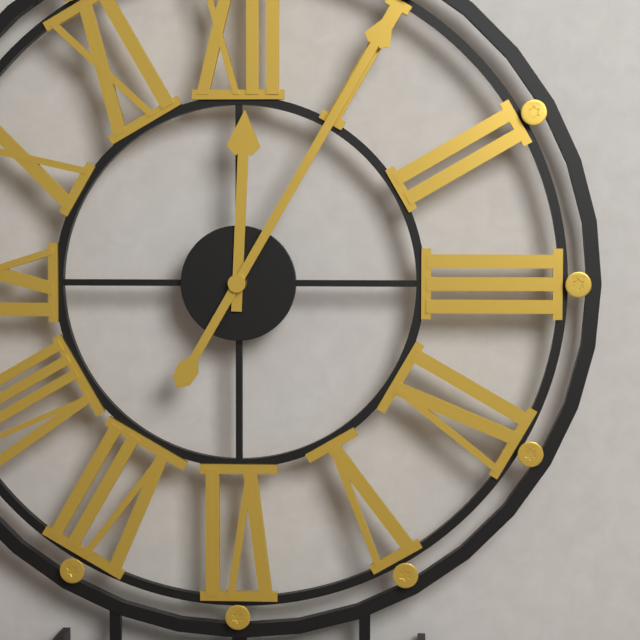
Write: 12 h 05 min
